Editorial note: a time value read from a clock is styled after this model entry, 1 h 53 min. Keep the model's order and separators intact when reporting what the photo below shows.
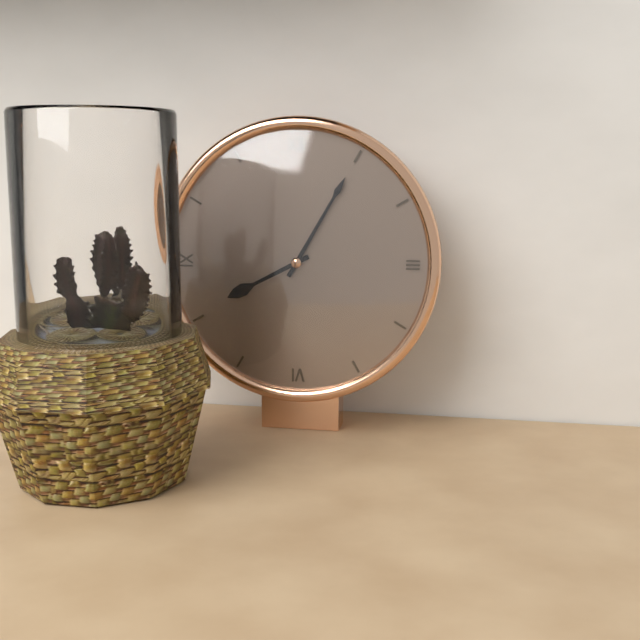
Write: 8 h 05 min
